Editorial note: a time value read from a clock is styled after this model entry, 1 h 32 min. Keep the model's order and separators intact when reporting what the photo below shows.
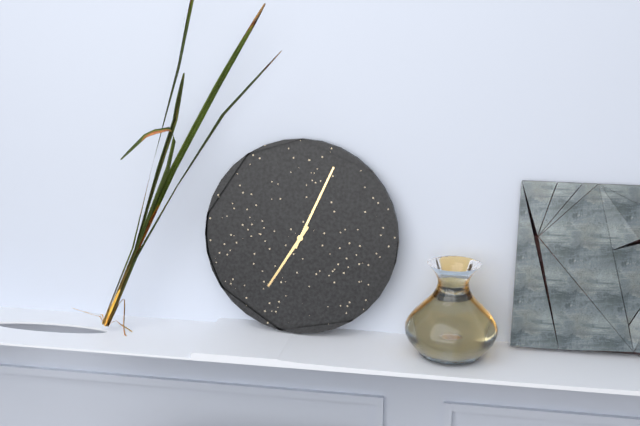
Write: 7 h 04 min
